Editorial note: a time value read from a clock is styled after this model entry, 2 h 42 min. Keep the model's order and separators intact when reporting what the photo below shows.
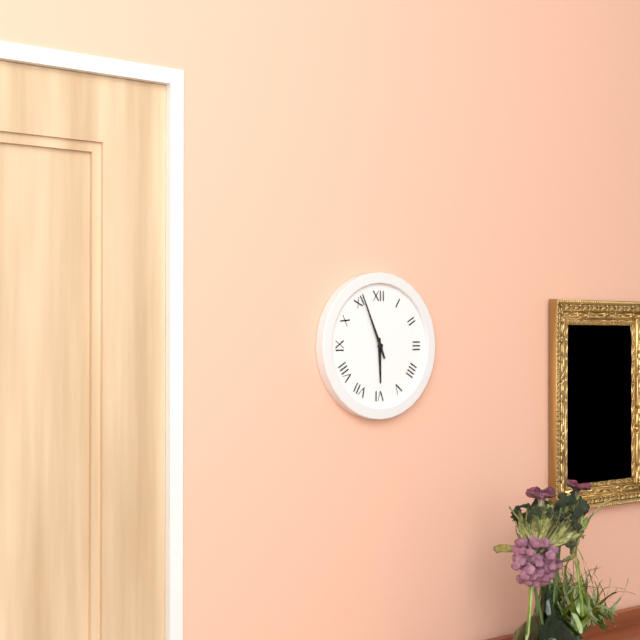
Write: 5 h 56 min
